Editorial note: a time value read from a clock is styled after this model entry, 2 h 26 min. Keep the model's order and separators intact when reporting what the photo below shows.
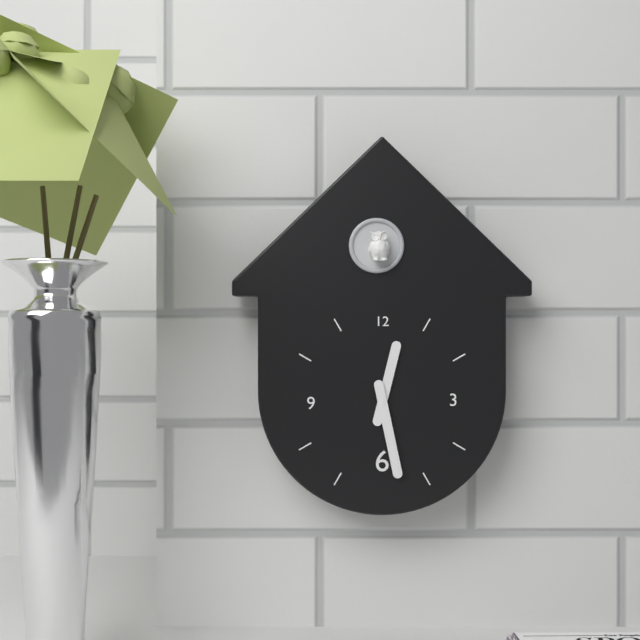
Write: 12 h 28 min
